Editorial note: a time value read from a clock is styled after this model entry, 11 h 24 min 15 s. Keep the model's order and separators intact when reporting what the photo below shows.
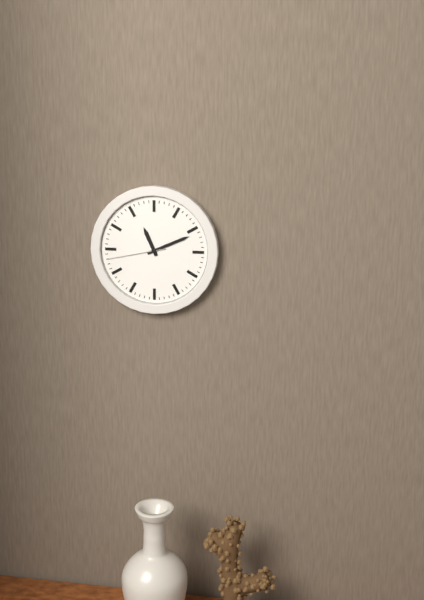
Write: 11 h 11 min 43 s
